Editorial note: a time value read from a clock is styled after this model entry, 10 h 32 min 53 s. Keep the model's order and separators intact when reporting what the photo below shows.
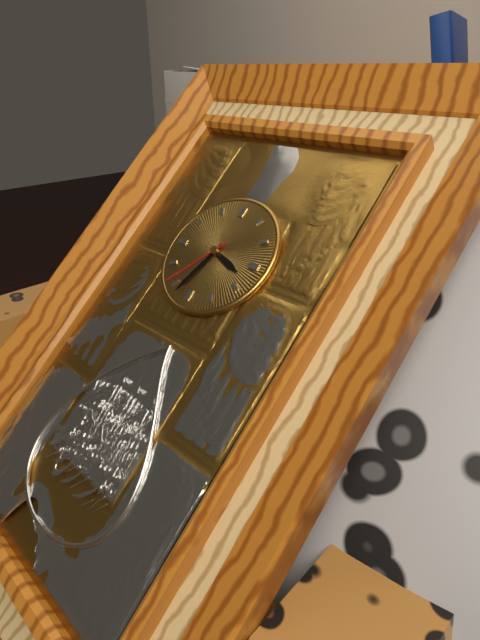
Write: 3 h 33 min 36 s
